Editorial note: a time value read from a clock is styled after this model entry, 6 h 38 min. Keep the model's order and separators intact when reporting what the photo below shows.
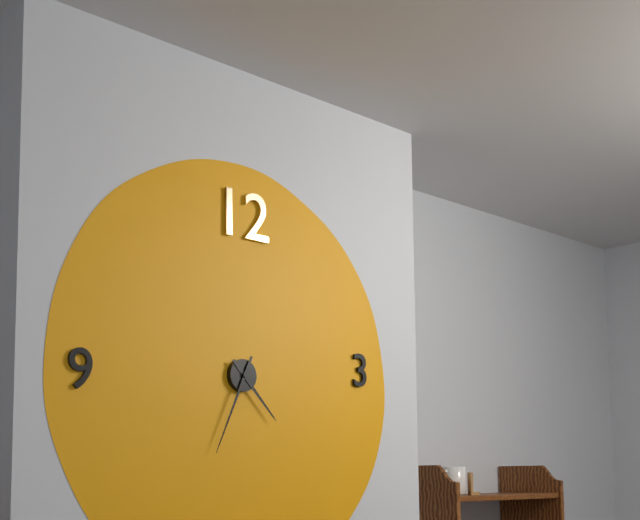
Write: 4 h 34 min
